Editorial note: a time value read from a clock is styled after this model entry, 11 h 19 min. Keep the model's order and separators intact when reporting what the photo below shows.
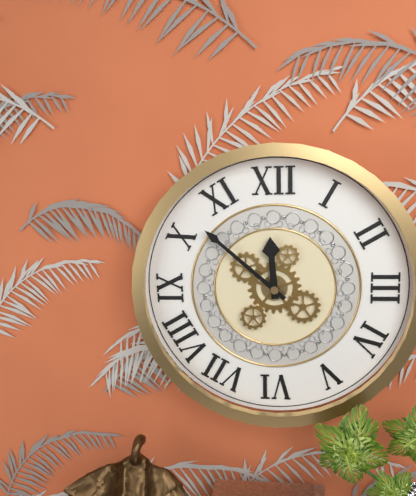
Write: 11 h 52 min
